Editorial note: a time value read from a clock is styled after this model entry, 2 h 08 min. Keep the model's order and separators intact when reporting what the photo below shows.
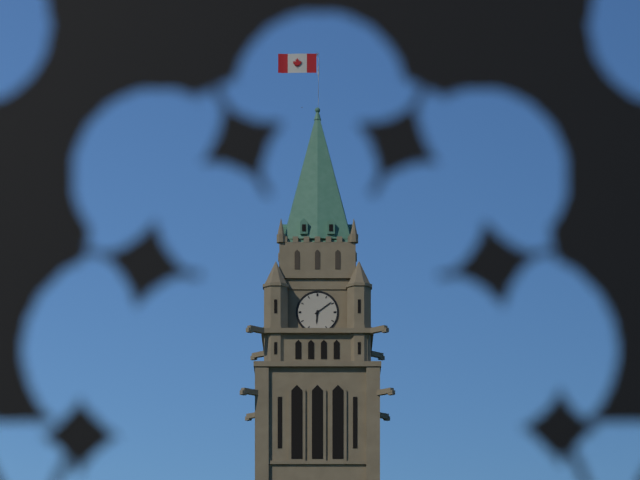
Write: 6 h 09 min
